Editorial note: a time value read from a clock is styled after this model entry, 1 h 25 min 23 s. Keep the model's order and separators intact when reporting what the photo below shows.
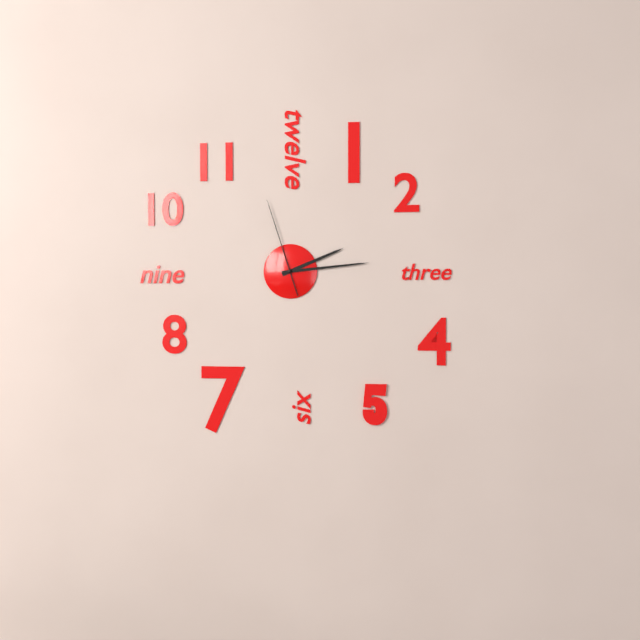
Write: 2 h 14 min 57 s
